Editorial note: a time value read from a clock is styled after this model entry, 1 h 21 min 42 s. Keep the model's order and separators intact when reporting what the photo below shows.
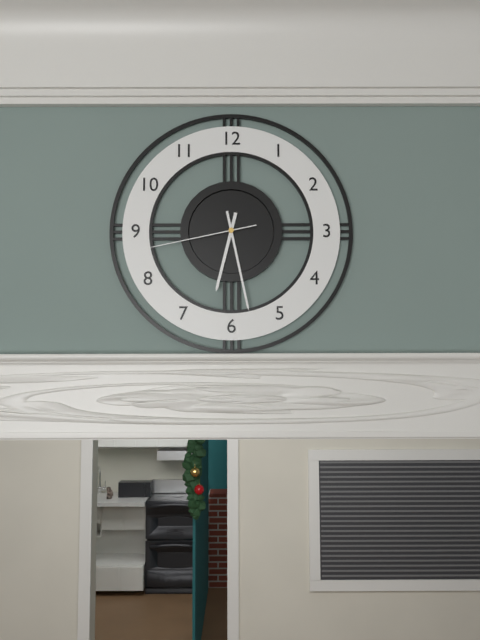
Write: 6 h 28 min 43 s
